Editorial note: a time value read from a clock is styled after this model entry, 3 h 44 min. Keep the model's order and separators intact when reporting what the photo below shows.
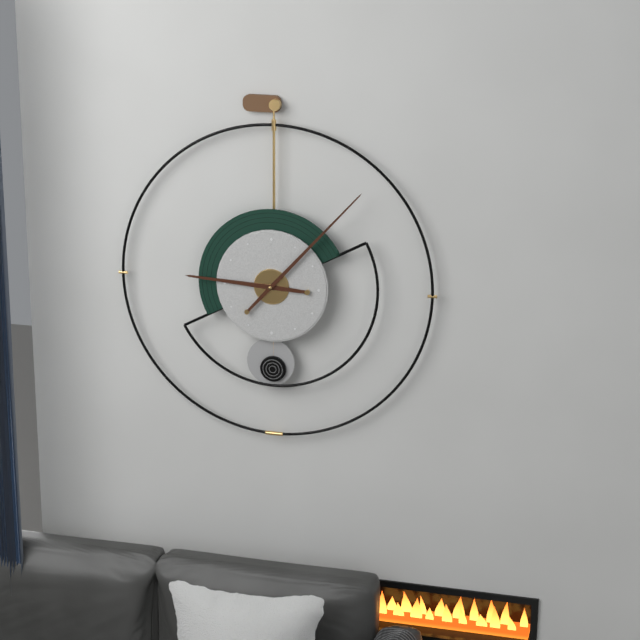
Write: 9 h 07 min
